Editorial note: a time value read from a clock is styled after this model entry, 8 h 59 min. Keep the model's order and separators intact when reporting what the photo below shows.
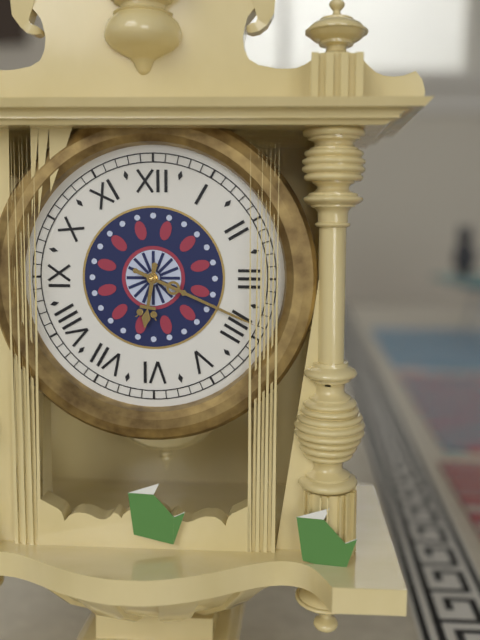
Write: 6 h 19 min
